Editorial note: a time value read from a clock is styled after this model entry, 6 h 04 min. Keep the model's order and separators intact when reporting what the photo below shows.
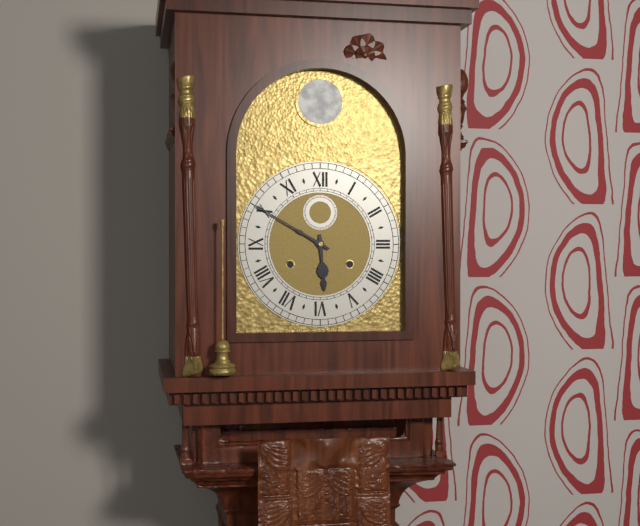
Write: 5 h 50 min
